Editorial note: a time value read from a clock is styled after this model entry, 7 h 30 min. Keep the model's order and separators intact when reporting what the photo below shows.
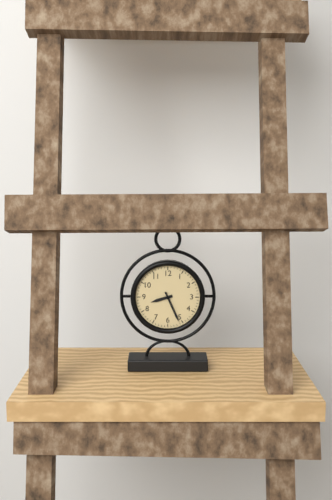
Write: 8 h 26 min
